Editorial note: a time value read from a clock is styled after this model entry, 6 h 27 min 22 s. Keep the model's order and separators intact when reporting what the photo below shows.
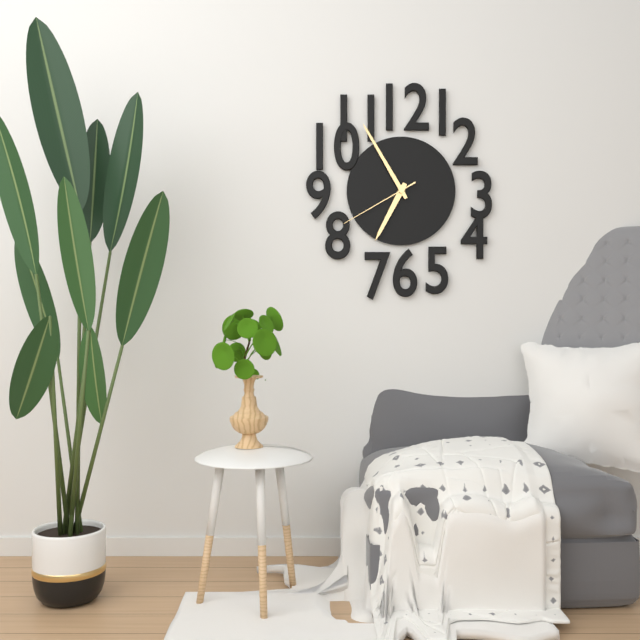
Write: 6 h 55 min 40 s
